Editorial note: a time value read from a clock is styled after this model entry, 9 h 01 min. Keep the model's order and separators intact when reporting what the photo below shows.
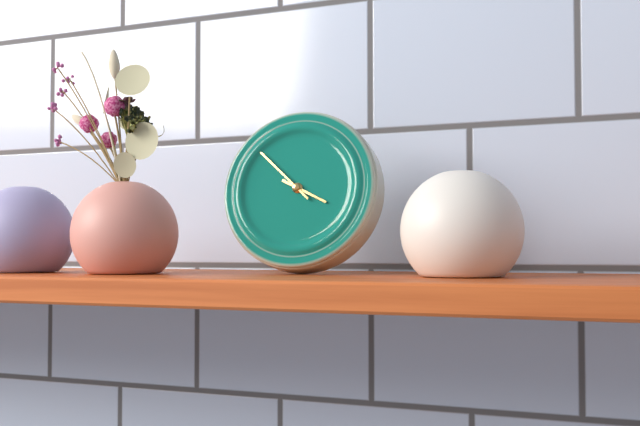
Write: 3 h 52 min
